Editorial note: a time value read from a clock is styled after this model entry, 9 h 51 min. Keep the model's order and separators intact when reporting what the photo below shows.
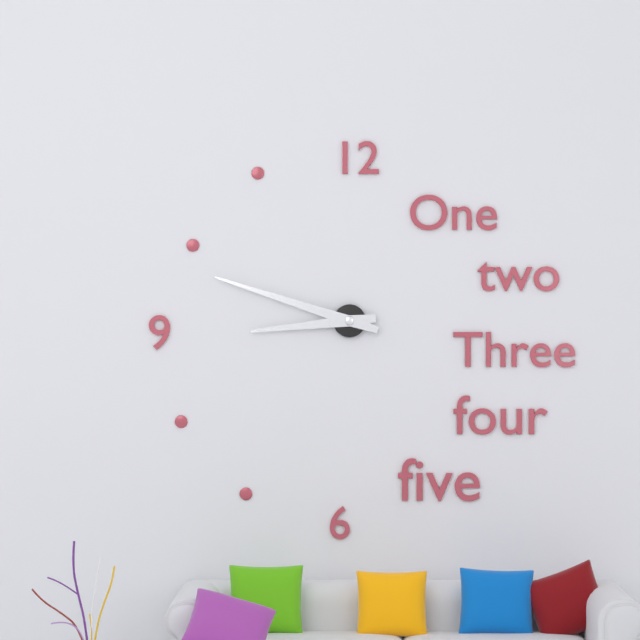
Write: 8 h 48 min
